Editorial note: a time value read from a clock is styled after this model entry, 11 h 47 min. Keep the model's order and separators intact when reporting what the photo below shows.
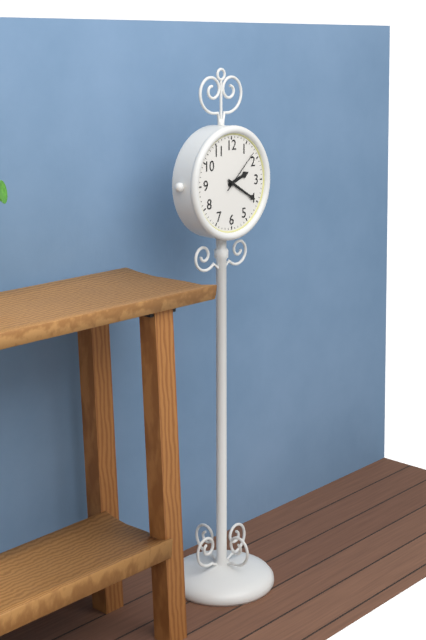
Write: 2 h 20 min
